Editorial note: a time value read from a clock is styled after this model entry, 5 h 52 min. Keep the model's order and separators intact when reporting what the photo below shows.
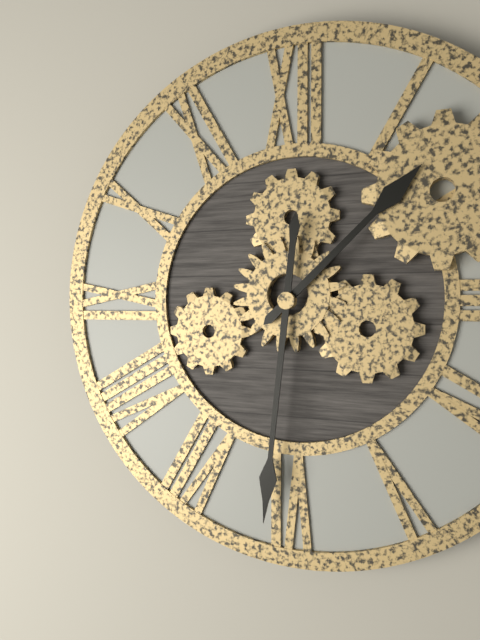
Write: 1 h 31 min
